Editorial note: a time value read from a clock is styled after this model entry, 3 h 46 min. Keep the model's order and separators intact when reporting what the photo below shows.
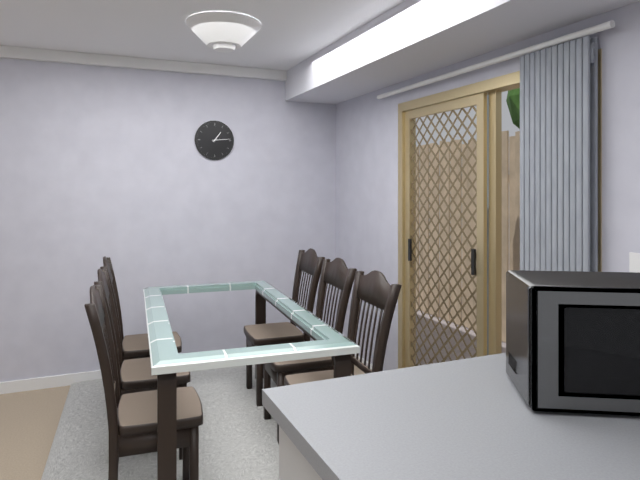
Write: 1 h 14 min
